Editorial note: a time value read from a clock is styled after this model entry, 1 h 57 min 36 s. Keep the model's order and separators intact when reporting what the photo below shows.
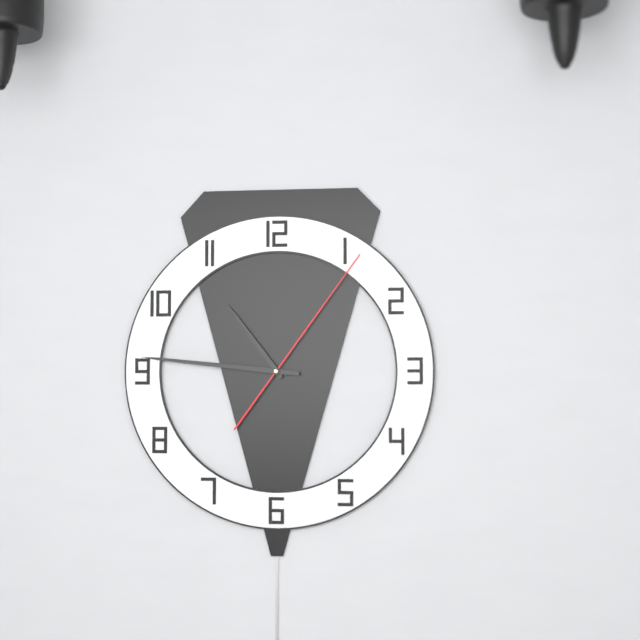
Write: 10 h 46 min 06 s
